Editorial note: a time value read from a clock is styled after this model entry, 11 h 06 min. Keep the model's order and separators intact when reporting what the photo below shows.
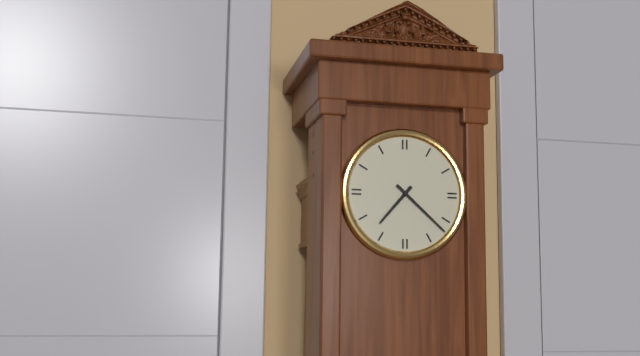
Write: 7 h 22 min
